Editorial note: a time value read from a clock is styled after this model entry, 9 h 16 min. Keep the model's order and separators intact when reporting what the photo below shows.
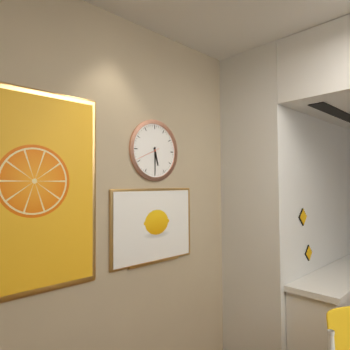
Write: 5 h 30 min
